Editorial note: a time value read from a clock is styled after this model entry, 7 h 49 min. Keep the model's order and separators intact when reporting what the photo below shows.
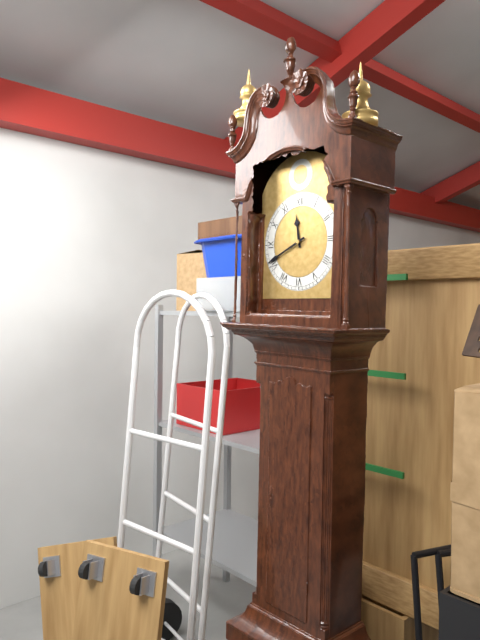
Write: 11 h 41 min
